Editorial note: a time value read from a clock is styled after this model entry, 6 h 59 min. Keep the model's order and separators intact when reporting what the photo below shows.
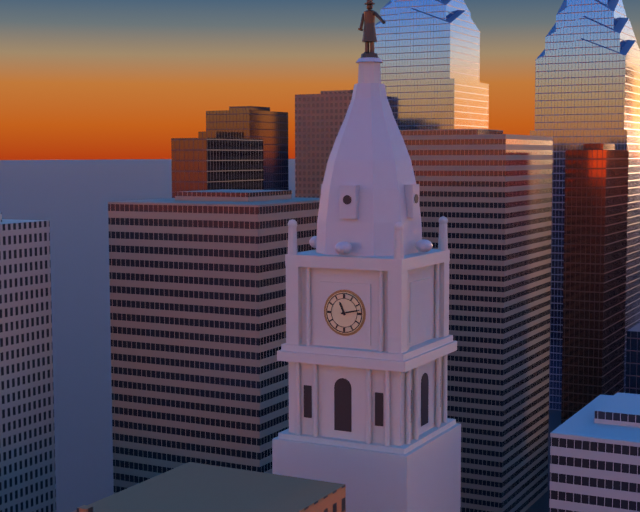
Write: 11 h 13 min
